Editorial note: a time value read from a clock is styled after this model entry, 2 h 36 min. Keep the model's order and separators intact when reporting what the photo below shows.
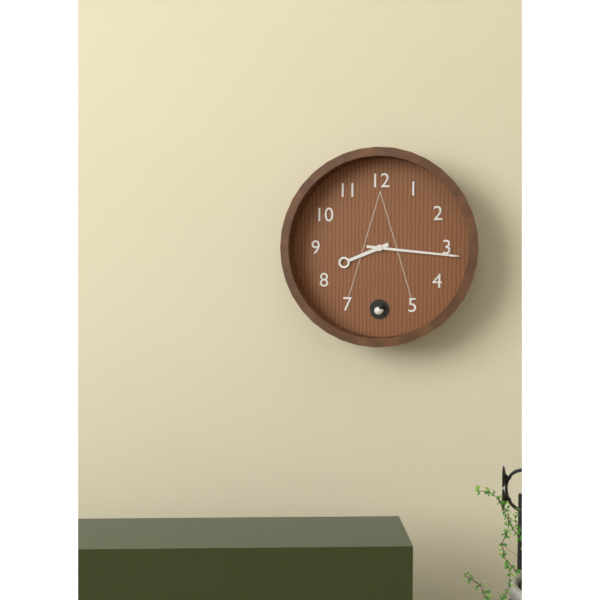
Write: 8 h 16 min
